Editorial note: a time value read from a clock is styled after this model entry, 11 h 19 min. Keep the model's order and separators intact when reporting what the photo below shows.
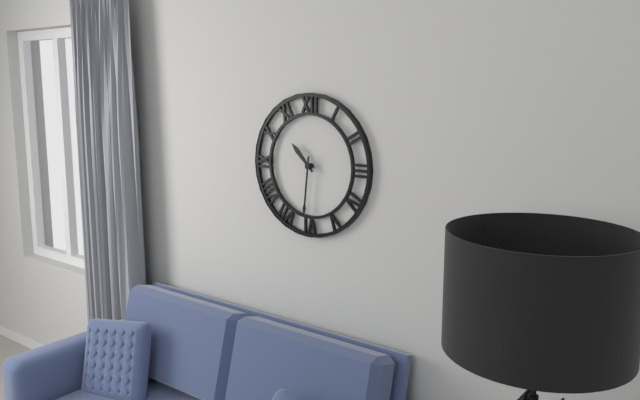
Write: 10 h 31 min
